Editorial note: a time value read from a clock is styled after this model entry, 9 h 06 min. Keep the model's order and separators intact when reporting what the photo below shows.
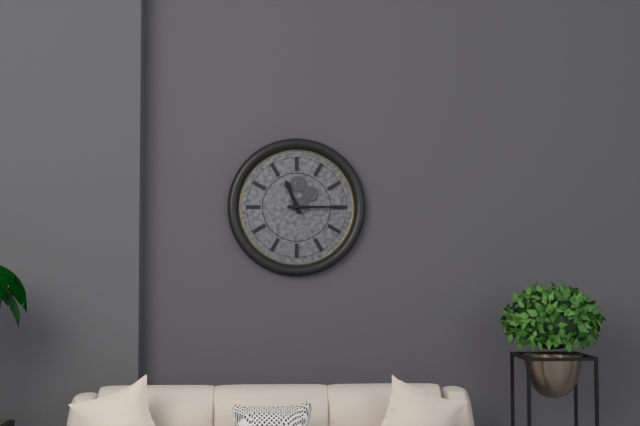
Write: 11 h 15 min
